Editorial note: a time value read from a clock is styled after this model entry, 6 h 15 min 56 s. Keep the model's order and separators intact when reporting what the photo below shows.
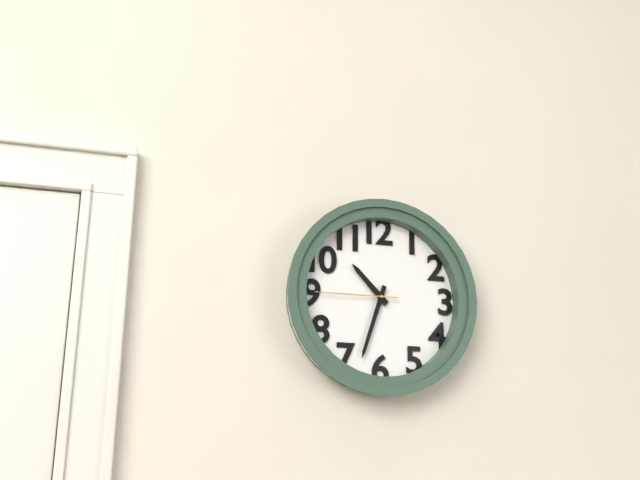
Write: 10 h 33 min 45 s
